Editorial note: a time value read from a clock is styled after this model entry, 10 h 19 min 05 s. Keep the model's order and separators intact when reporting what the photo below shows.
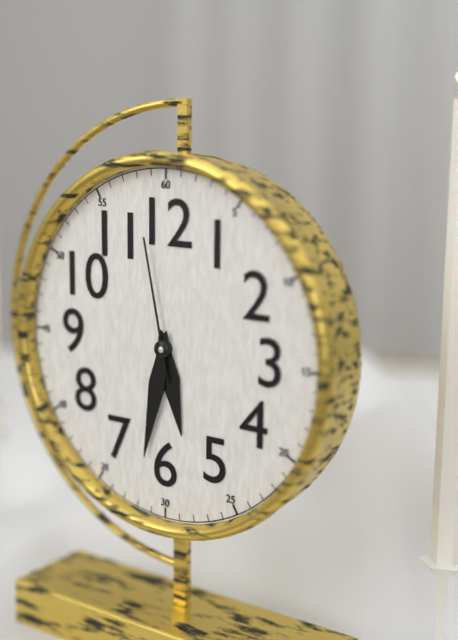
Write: 5 h 32 min 58 s
